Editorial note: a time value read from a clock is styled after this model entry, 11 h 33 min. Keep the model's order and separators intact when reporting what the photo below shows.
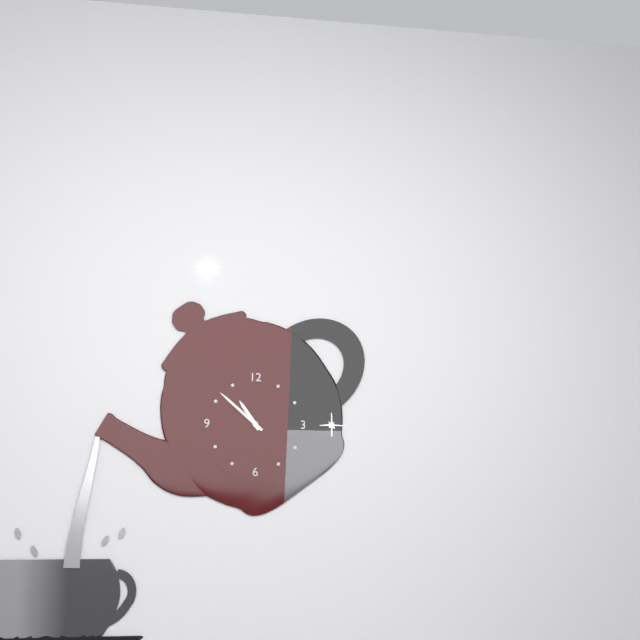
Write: 10 h 52 min
